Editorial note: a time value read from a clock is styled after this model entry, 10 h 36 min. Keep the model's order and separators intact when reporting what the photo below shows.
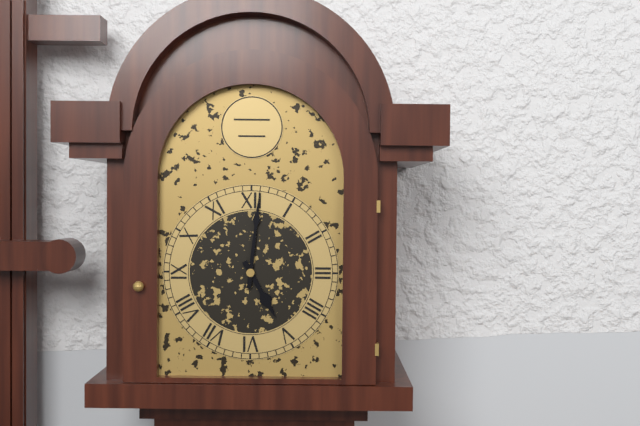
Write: 5 h 01 min
